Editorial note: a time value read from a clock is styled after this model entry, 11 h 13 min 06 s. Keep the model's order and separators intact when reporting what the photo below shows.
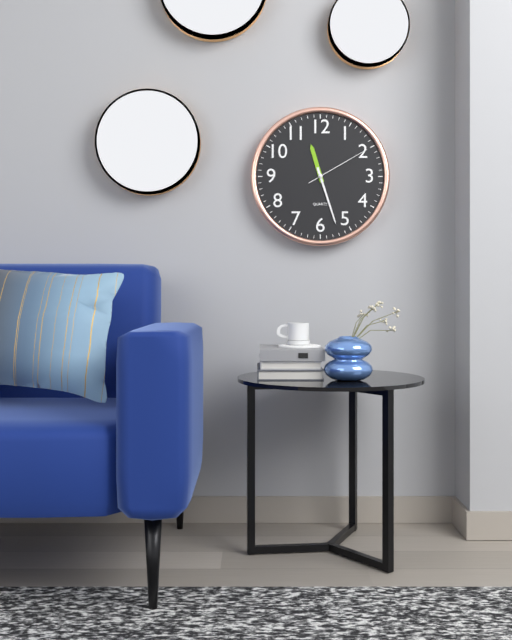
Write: 11 h 27 min 10 s
